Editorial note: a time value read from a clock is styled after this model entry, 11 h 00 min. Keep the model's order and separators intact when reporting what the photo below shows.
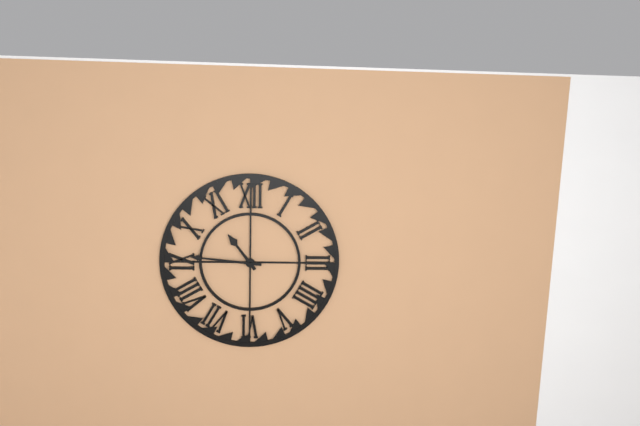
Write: 10 h 46 min
